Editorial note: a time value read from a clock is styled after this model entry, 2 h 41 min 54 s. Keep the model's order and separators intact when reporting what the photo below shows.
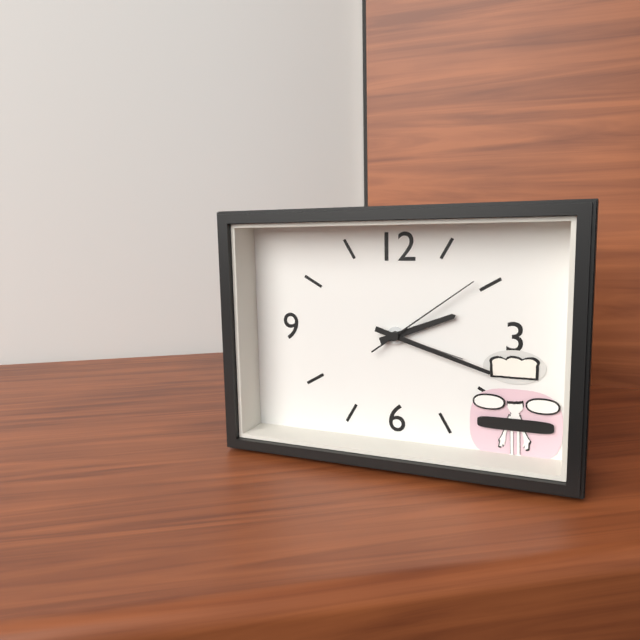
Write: 2 h 18 min 09 s
